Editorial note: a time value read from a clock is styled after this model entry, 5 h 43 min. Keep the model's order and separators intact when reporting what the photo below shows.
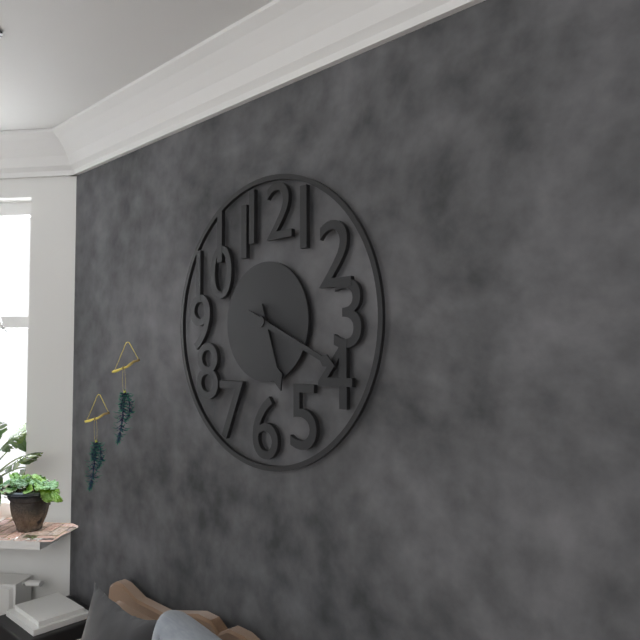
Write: 5 h 19 min
